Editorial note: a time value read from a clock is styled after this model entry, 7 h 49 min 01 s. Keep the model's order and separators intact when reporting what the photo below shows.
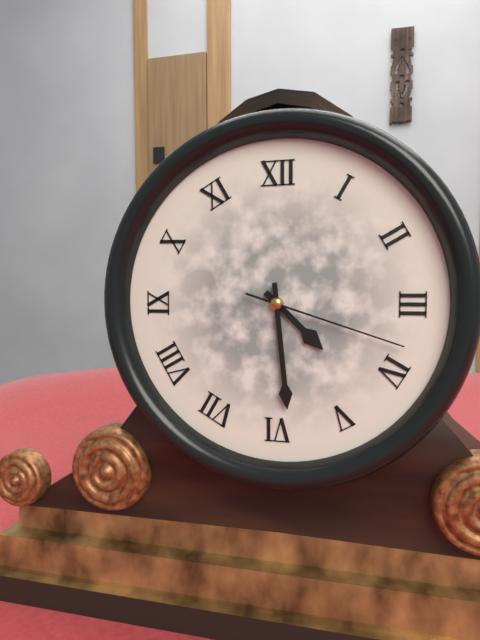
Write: 4 h 29 min 18 s
